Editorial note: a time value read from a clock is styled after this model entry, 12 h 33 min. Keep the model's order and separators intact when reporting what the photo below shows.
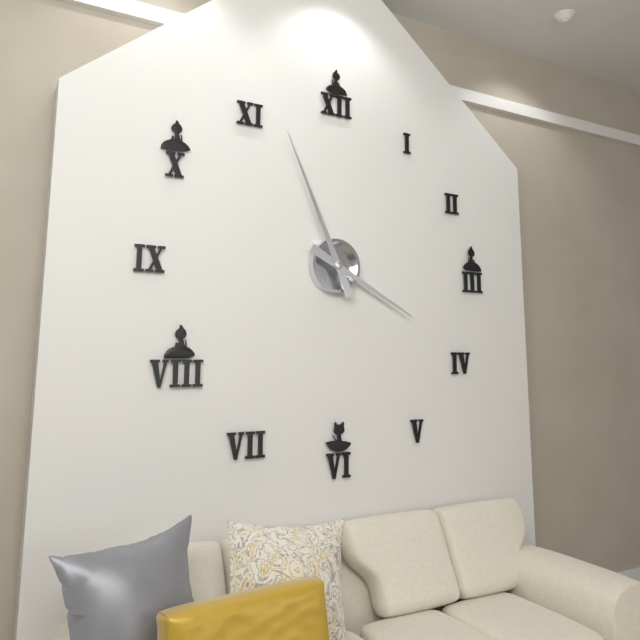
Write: 3 h 56 min
